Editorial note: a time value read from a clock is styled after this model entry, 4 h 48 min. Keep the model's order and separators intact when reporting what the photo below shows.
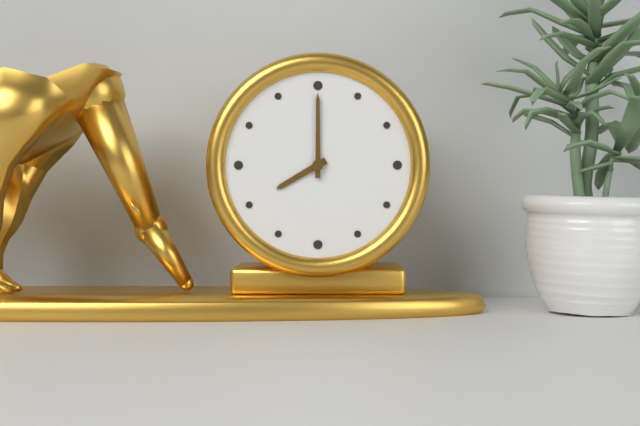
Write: 8 h 00 min
